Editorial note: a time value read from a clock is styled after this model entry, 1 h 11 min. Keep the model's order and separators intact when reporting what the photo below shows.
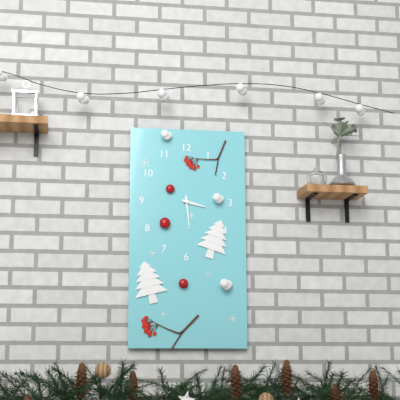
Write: 3 h 29 min
